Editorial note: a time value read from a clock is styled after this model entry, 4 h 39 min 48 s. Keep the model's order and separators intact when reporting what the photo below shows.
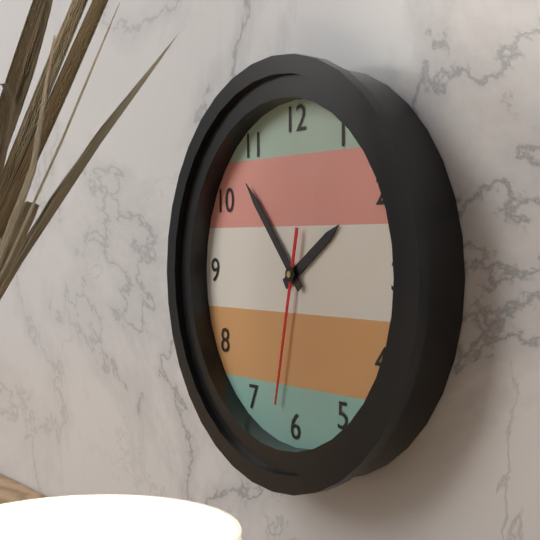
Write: 1 h 53 min 32 s
